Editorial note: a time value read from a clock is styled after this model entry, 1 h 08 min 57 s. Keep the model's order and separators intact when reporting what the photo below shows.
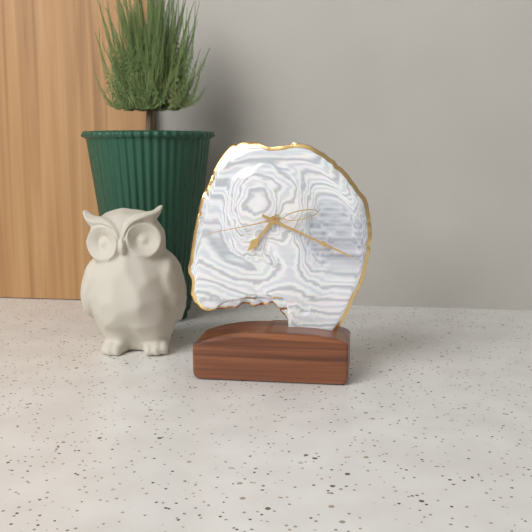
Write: 7 h 19 min 43 s
